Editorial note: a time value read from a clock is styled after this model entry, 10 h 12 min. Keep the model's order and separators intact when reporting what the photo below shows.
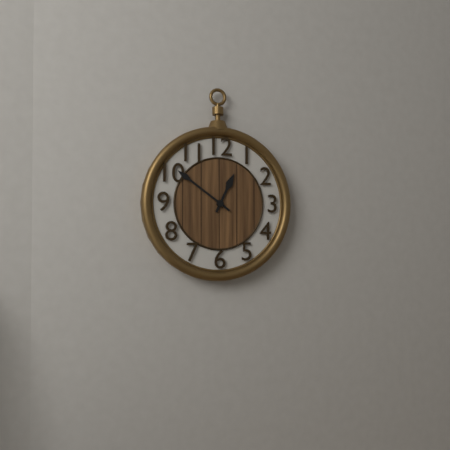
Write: 12 h 51 min
